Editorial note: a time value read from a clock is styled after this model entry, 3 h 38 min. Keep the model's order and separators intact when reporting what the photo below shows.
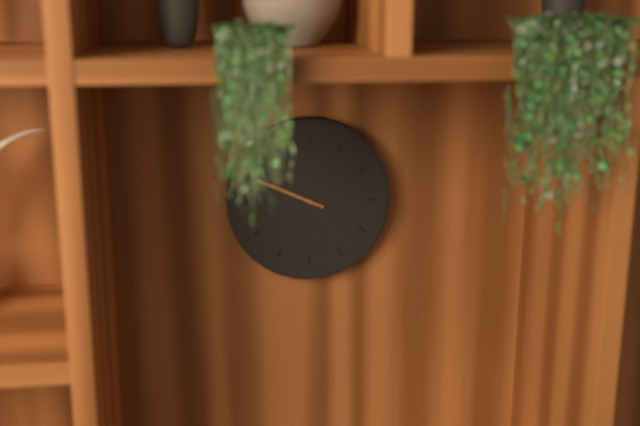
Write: 9 h 49 min
